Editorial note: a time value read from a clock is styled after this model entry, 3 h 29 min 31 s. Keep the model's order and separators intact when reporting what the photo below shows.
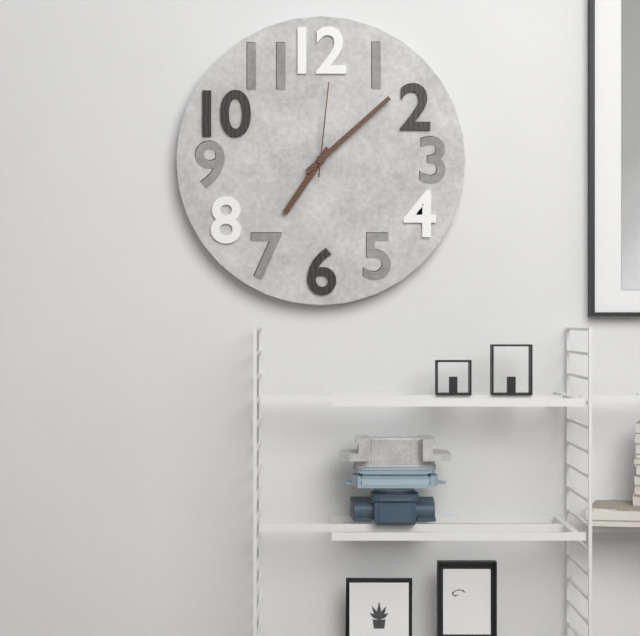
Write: 7 h 08 min 01 s
